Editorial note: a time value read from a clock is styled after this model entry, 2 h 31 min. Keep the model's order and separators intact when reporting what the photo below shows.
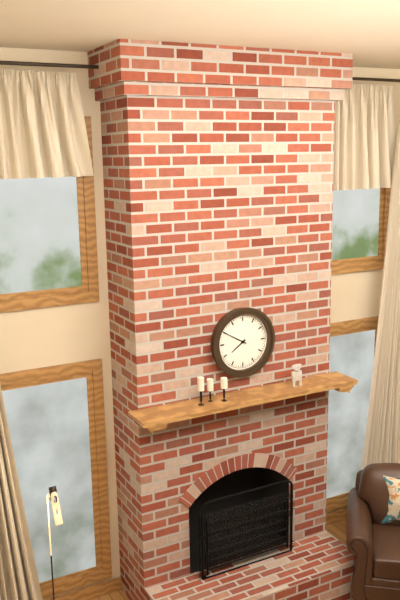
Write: 7 h 50 min
